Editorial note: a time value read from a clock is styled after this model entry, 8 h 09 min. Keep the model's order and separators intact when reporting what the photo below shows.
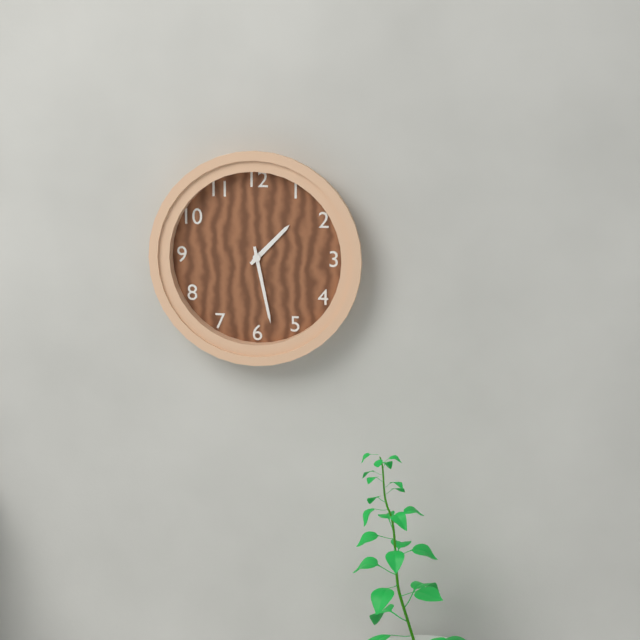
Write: 1 h 28 min
